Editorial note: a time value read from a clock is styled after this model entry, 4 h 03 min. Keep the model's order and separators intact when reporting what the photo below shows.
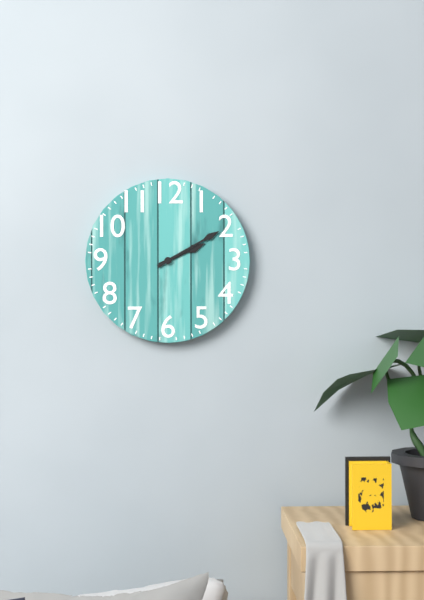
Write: 2 h 10 min
